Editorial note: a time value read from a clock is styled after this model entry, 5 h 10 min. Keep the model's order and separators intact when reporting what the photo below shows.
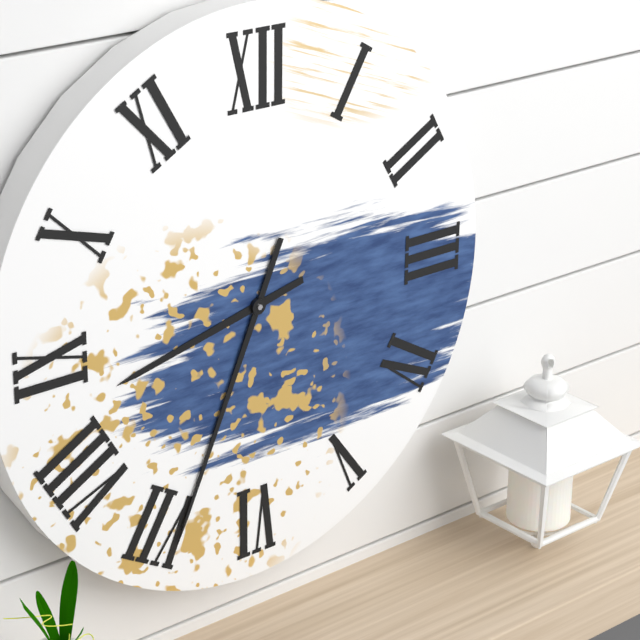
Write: 8 h 34 min
